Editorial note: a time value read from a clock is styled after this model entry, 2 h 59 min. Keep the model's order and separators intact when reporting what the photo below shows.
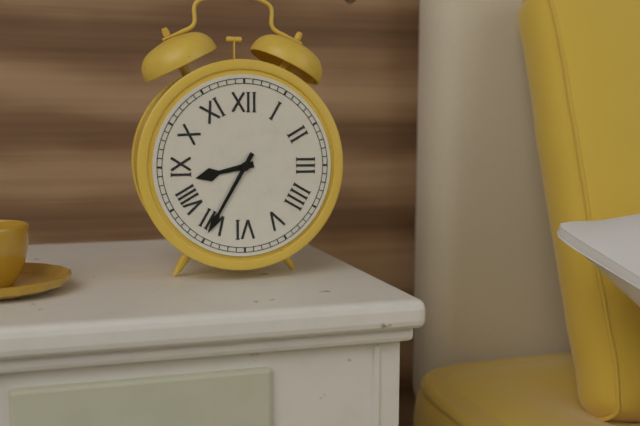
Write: 8 h 35 min
